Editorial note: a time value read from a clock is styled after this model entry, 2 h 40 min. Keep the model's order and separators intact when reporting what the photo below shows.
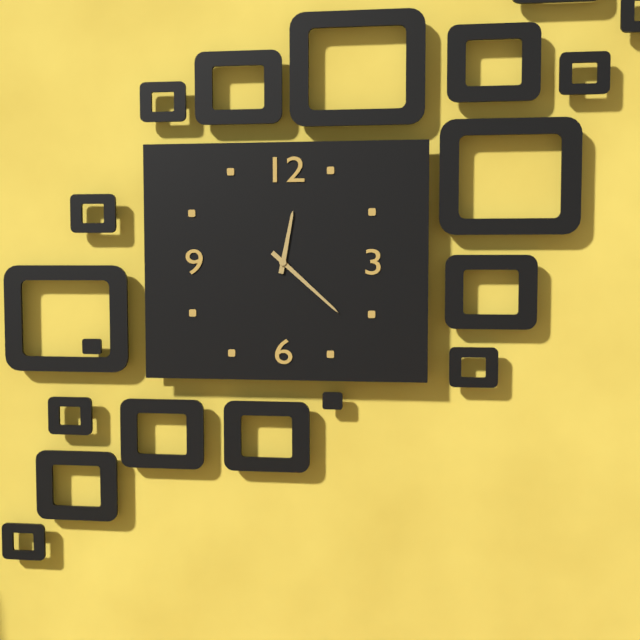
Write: 12 h 22 min
